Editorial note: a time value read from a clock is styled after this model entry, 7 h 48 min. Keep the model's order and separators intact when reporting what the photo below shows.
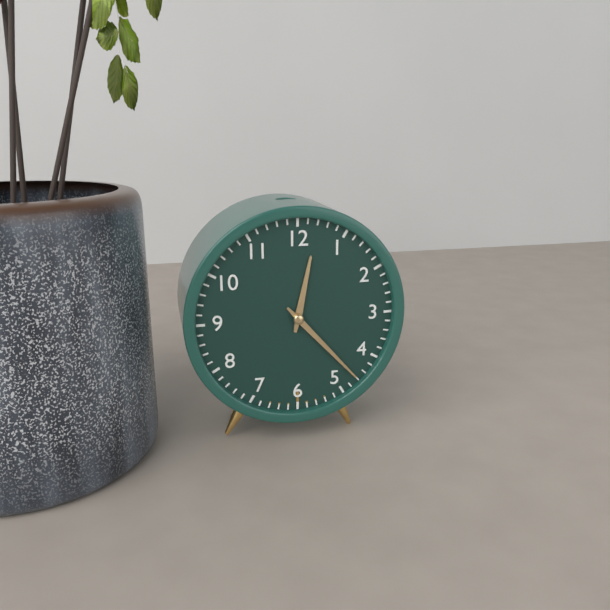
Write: 12 h 23 min
